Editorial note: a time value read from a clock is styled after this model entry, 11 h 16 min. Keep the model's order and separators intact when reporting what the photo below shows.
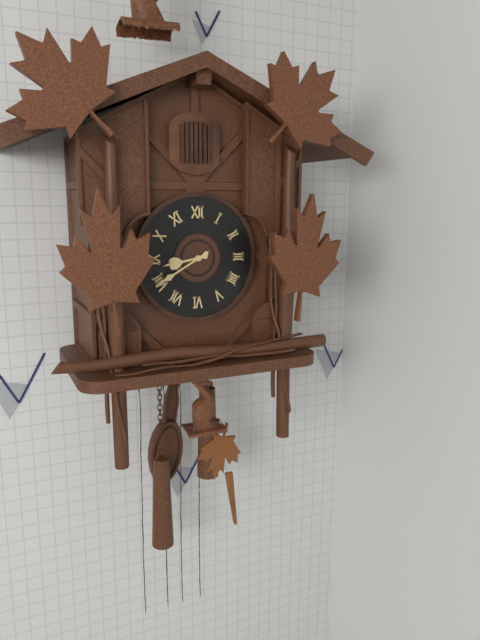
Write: 8 h 40 min
